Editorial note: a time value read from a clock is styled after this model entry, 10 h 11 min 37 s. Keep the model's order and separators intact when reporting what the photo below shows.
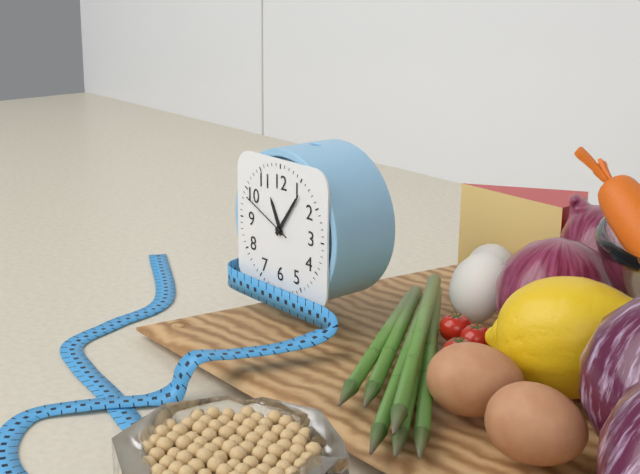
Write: 11 h 06 min 49 s
